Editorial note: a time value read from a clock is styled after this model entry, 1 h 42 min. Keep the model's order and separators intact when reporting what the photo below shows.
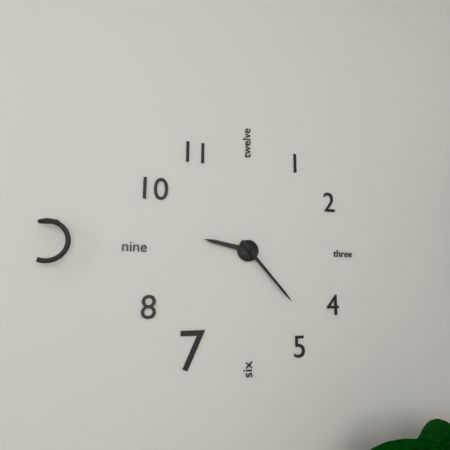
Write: 9 h 23 min
